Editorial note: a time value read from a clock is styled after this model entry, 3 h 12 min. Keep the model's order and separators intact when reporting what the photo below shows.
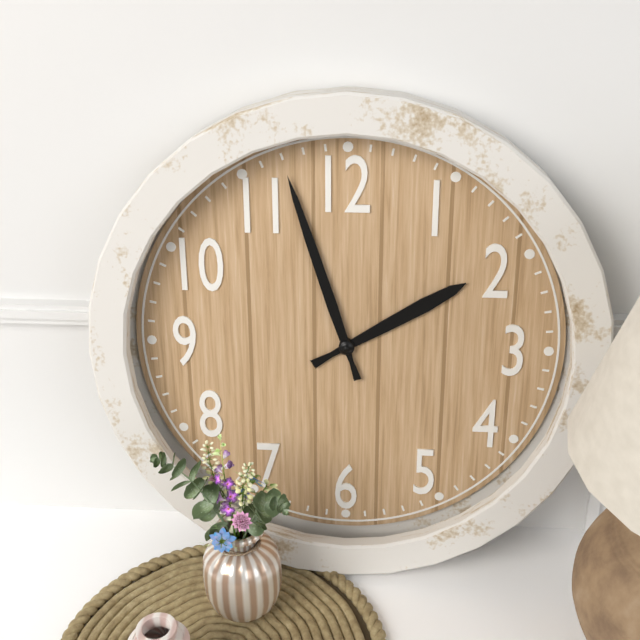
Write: 1 h 57 min
